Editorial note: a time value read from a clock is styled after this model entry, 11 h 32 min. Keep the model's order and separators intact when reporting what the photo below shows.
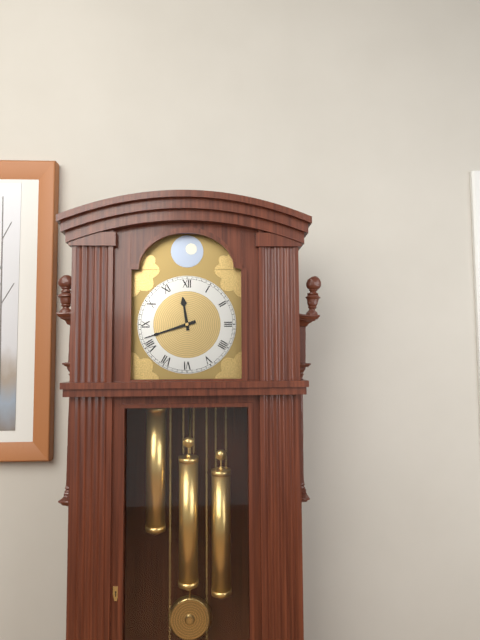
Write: 11 h 42 min
